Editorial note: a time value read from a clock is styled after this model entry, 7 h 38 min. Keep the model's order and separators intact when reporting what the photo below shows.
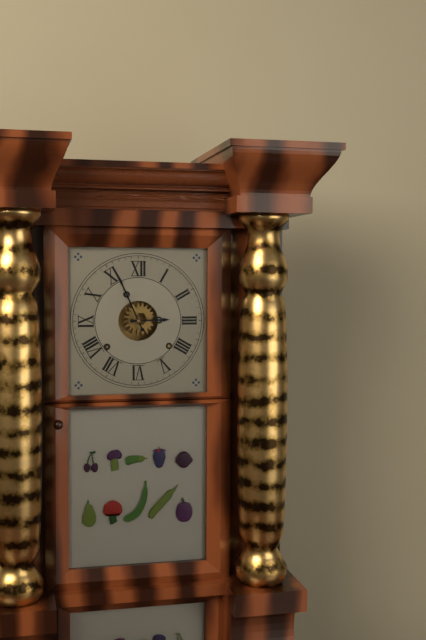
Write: 2 h 56 min
